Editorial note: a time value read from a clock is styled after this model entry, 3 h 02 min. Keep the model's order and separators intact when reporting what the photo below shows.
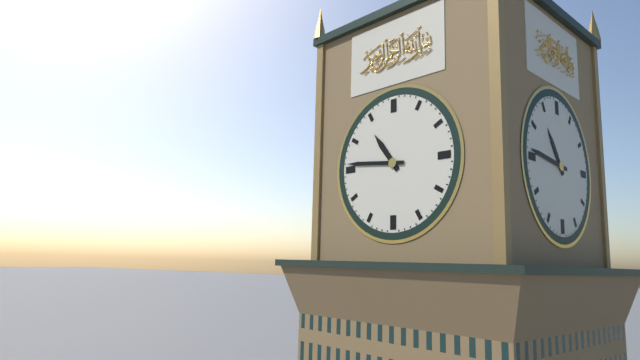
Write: 10 h 46 min
